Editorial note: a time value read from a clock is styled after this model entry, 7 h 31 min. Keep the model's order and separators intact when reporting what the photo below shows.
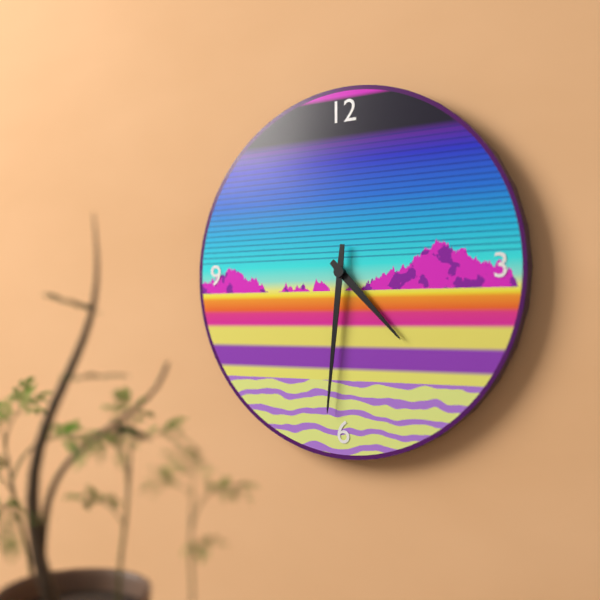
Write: 4 h 31 min
